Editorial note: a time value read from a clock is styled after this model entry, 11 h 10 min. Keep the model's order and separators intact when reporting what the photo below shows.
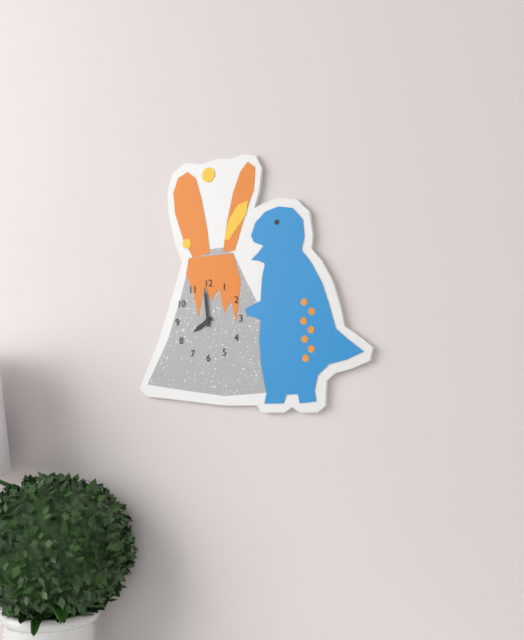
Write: 7 h 59 min
